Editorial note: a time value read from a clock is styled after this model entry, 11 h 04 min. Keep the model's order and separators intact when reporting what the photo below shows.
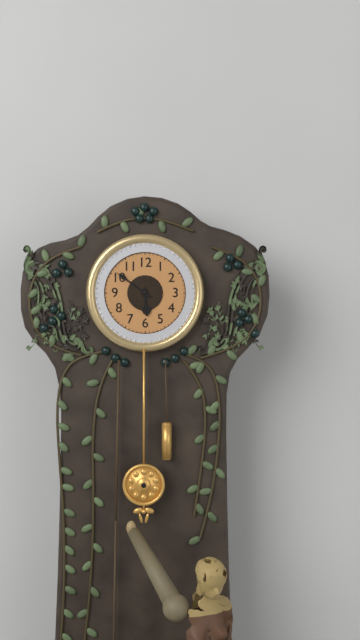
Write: 5 h 51 min
